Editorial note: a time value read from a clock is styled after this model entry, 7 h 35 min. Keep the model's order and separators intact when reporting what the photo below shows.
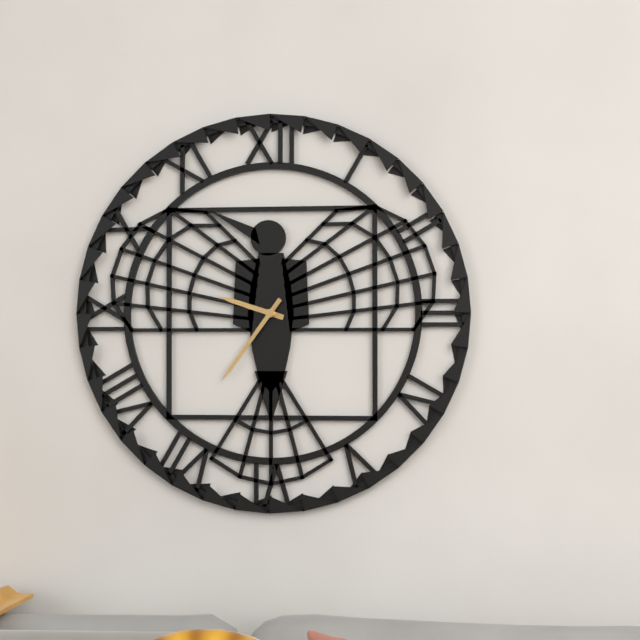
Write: 9 h 36 min
